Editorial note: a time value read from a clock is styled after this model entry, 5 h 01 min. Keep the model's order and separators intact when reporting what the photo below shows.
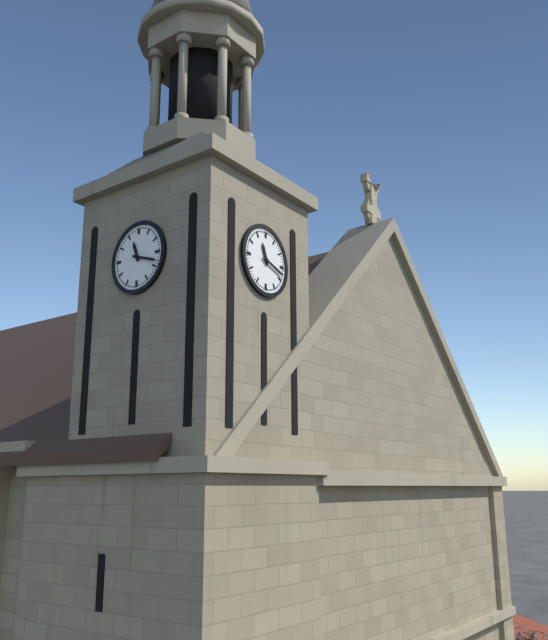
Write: 11 h 18 min
